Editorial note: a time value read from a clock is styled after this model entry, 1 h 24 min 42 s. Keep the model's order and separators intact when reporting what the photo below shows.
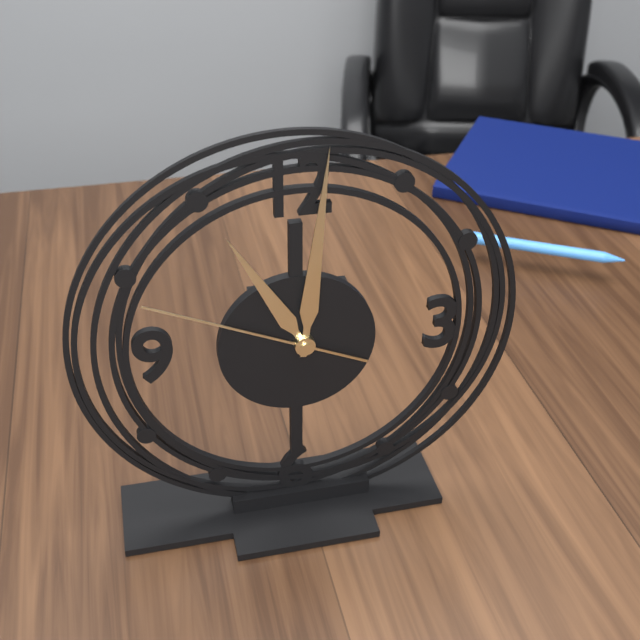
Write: 11 h 01 min 49 s
